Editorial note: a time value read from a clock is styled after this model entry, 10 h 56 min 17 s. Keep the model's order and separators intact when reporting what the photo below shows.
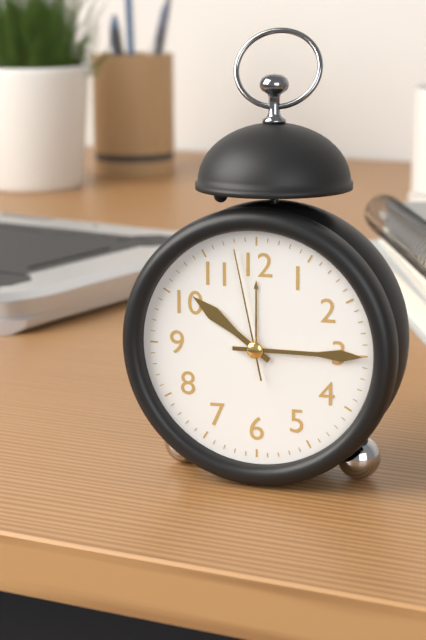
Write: 10 h 15 min 58 s
